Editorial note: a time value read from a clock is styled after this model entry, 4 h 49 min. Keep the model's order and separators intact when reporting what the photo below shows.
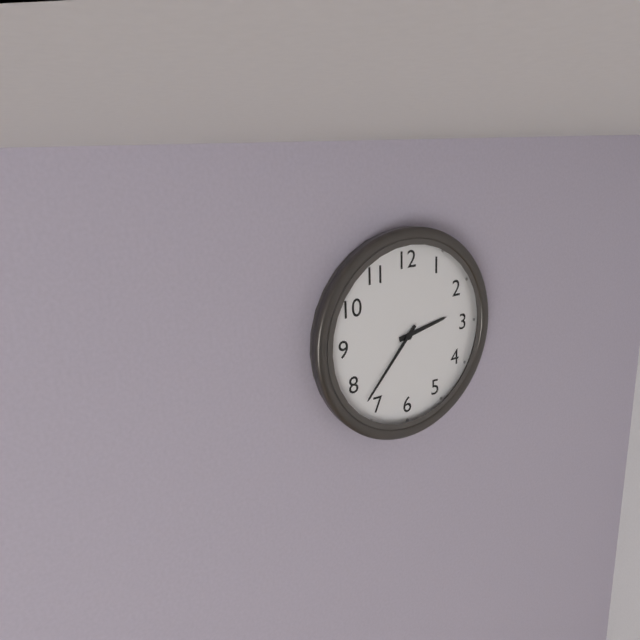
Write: 2 h 37 min
